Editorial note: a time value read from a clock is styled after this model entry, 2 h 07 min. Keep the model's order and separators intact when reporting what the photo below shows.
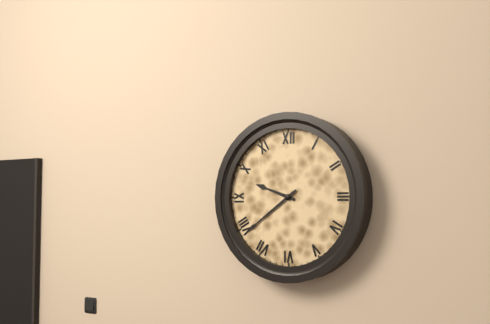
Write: 9 h 39 min
